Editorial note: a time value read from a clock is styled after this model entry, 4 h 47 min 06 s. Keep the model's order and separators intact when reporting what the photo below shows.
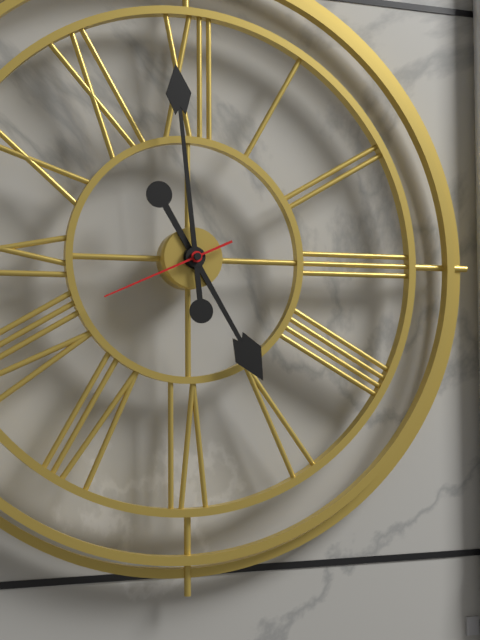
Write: 4 h 59 min 41 s
